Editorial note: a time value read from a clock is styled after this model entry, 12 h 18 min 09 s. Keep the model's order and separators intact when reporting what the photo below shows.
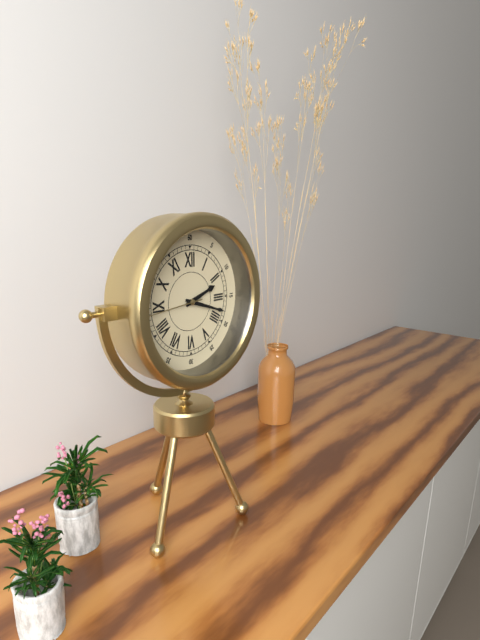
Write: 2 h 18 min 44 s
